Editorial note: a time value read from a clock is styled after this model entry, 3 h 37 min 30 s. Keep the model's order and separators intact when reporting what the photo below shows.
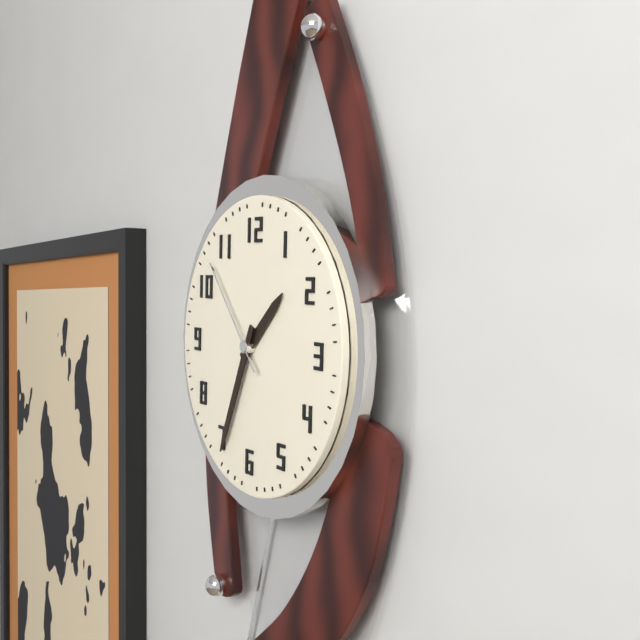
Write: 1 h 34 min 53 s
